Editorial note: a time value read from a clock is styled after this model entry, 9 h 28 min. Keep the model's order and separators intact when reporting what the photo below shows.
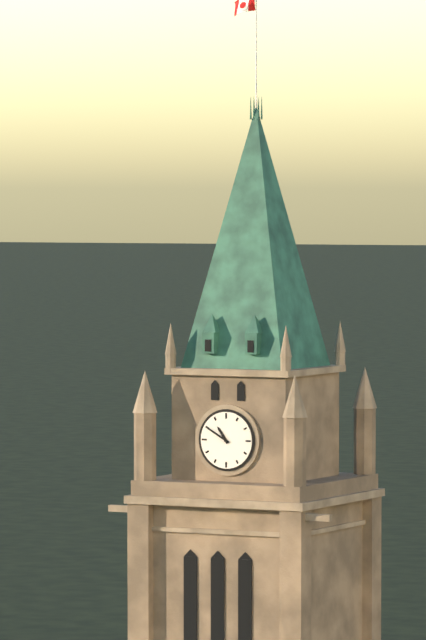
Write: 10 h 50 min
